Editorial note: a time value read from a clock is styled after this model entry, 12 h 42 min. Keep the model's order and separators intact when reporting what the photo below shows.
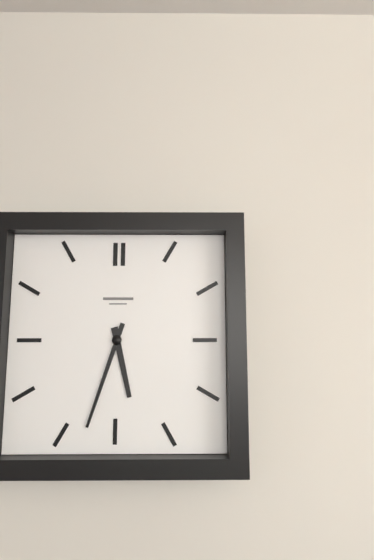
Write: 5 h 33 min
